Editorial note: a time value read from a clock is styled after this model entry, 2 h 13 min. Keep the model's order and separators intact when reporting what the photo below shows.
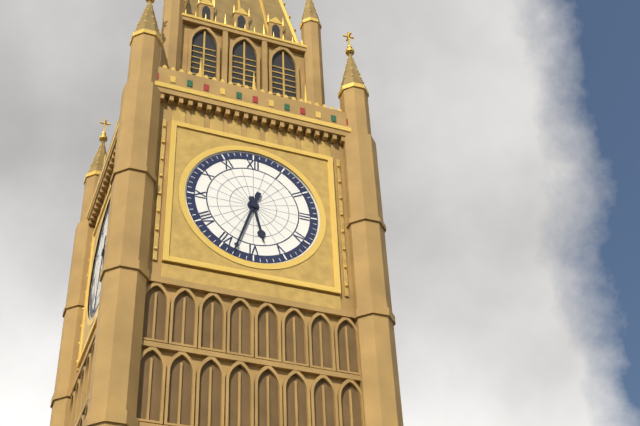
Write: 5 h 33 min
